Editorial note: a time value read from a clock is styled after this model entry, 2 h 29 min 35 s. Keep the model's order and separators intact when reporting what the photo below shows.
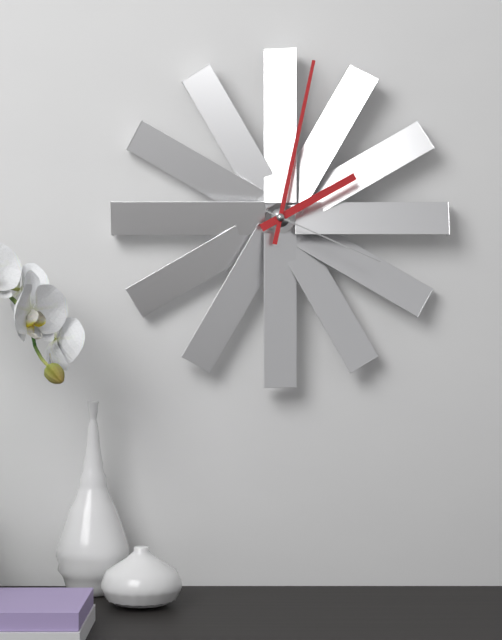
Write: 2 h 02 min 19 s
